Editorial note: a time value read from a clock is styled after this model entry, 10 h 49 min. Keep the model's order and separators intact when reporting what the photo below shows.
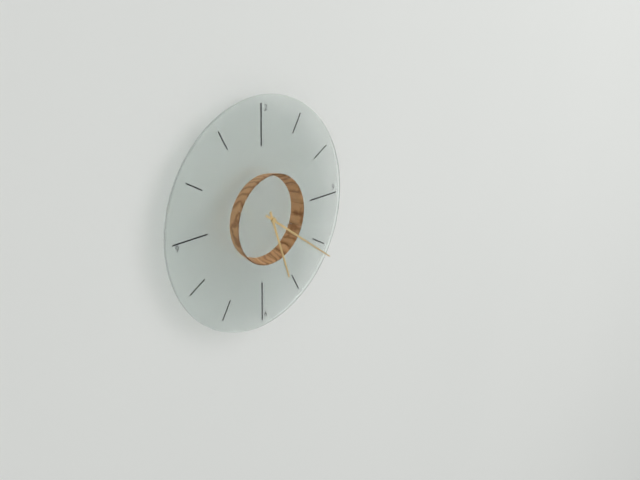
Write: 5 h 21 min
